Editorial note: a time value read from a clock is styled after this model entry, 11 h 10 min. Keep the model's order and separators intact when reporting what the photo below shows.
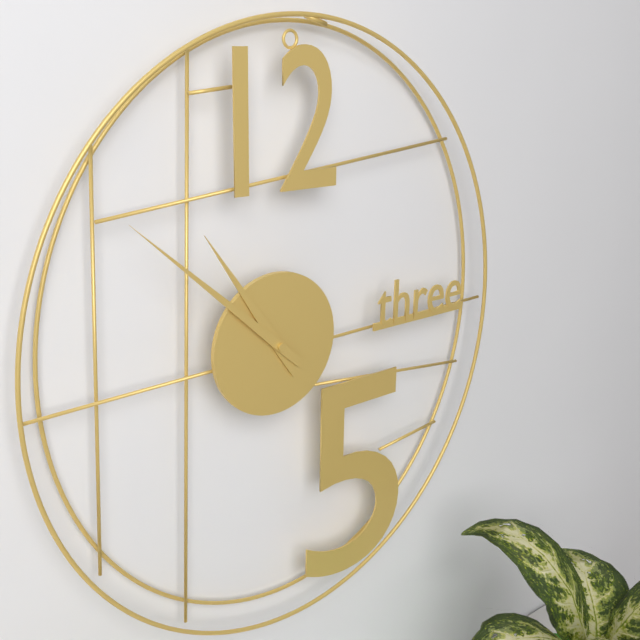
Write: 10 h 52 min
